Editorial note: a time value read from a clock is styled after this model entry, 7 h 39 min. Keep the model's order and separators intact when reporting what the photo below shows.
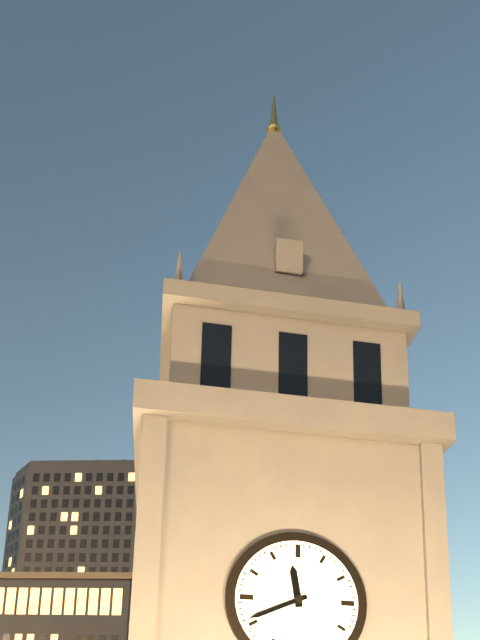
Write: 11 h 41 min
